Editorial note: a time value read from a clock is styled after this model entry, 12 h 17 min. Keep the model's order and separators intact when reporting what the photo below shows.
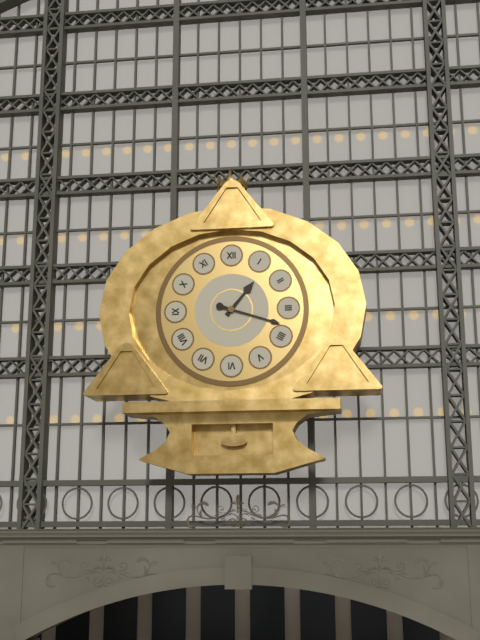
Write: 1 h 18 min
